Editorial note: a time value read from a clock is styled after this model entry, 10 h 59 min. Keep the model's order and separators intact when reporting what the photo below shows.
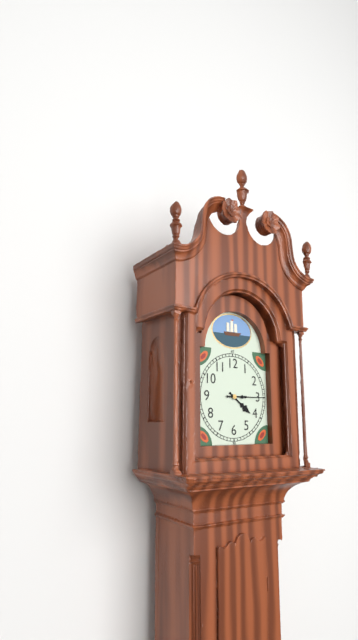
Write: 4 h 15 min
